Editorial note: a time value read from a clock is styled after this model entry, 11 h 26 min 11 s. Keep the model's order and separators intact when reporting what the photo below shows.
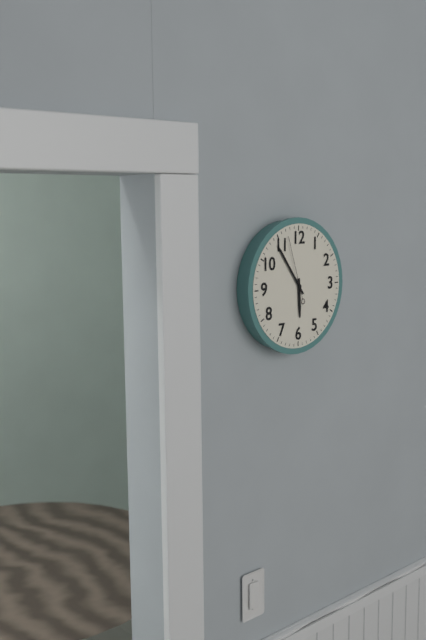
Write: 5 h 54 min 57 s
